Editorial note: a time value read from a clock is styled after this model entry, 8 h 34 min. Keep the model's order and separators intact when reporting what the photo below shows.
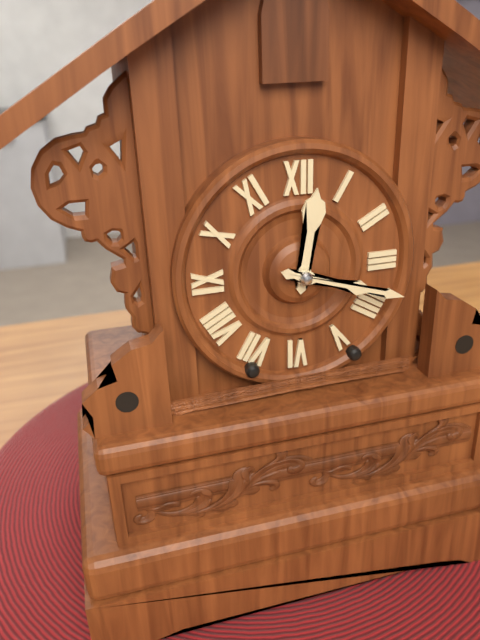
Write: 12 h 18 min
